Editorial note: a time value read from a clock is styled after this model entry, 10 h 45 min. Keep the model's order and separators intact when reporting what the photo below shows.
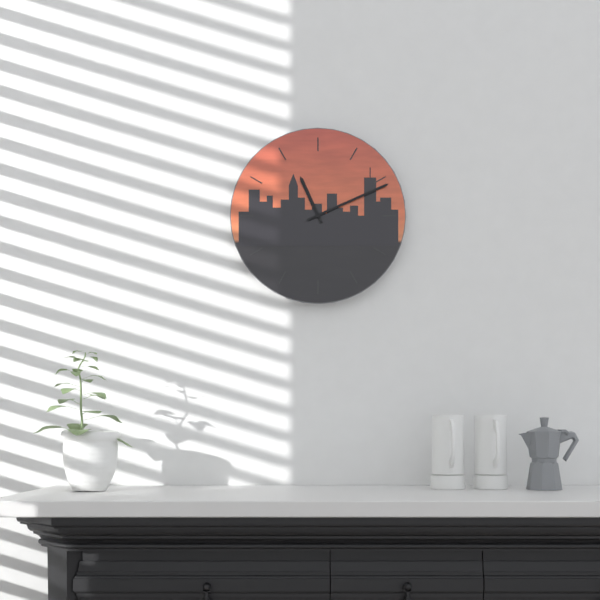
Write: 11 h 11 min
